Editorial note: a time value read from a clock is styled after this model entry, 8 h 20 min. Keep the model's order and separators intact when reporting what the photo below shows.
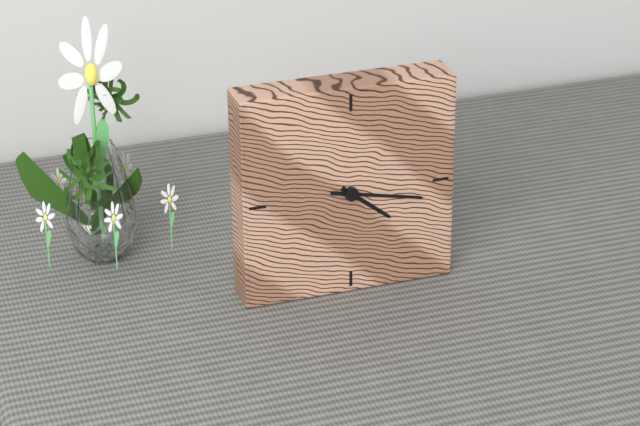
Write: 4 h 17 min
